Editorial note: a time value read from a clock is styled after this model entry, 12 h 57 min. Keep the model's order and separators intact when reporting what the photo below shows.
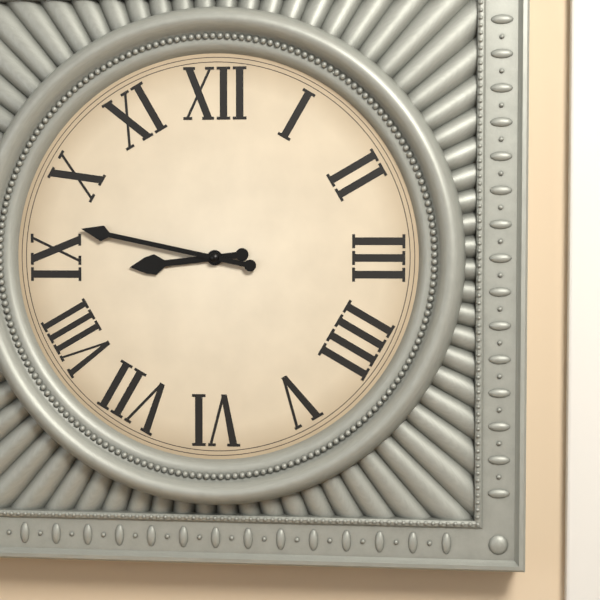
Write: 8 h 47 min
